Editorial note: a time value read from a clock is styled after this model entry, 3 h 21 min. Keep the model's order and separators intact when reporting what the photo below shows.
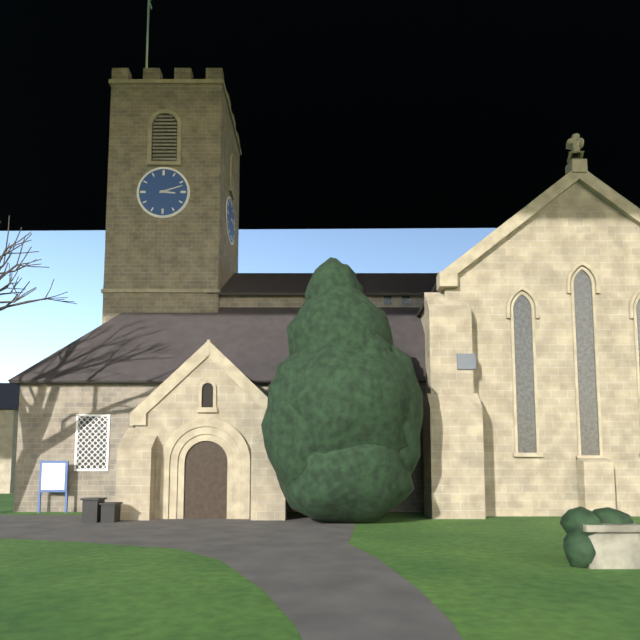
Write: 3 h 12 min
